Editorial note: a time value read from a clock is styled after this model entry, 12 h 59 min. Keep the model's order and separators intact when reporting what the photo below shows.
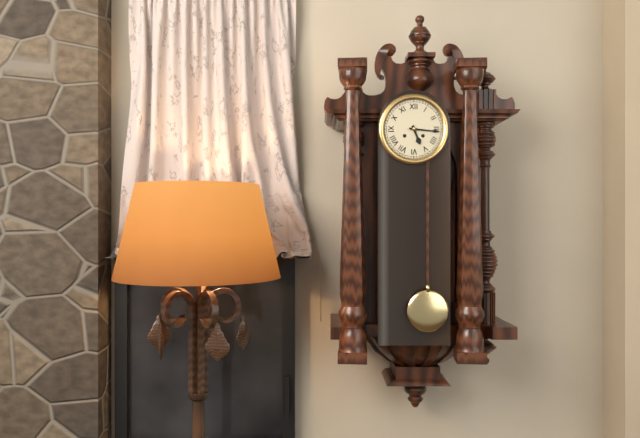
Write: 5 h 16 min
